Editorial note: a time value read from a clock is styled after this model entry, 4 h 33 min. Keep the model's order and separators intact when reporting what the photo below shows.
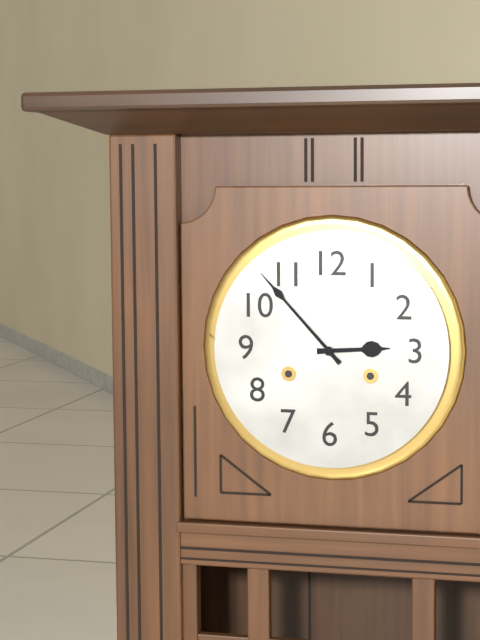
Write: 2 h 53 min
